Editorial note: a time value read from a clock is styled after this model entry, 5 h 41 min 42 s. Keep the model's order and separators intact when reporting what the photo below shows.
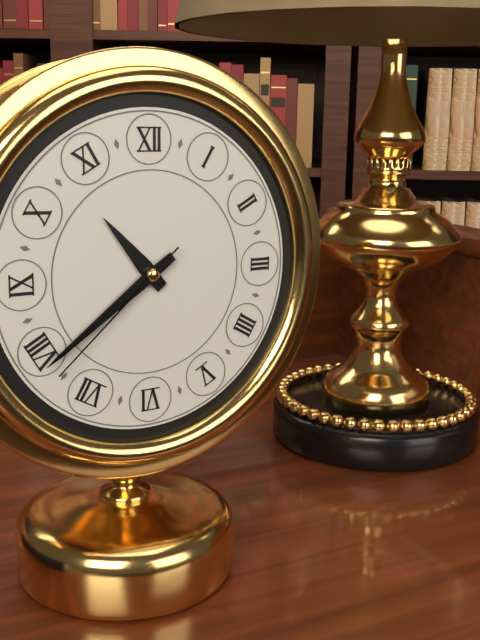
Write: 10 h 39 min 38 s
